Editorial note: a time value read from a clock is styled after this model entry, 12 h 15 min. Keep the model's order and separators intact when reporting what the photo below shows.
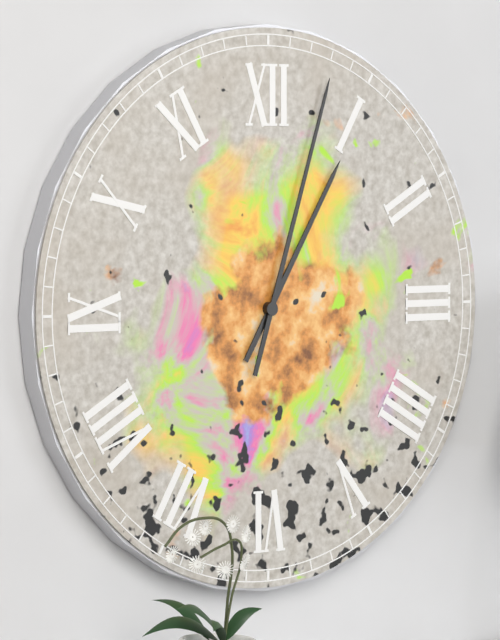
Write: 1 h 03 min
